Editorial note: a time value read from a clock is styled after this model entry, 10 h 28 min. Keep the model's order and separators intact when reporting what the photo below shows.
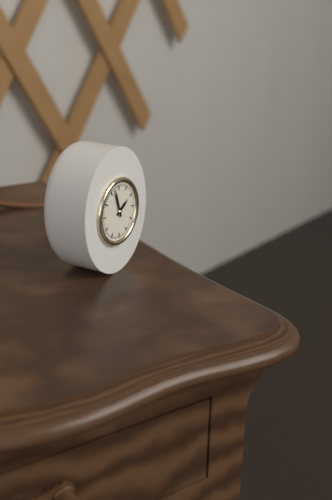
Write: 1 h 57 min
